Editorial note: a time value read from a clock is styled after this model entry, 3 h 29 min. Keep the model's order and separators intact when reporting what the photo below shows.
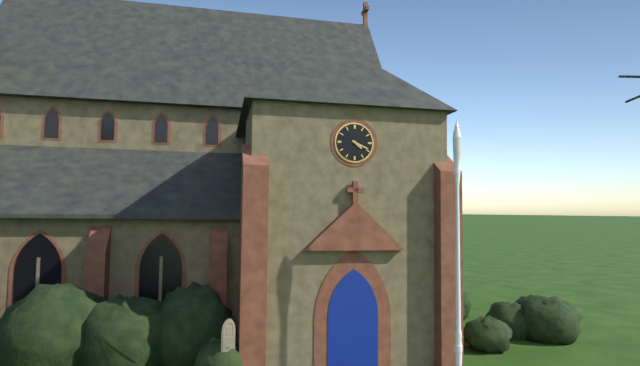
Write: 4 h 19 min
